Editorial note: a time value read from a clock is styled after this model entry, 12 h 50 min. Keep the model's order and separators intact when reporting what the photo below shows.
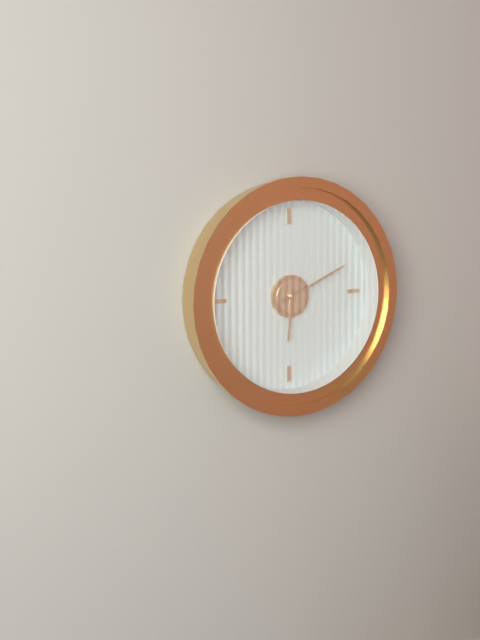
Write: 6 h 11 min
